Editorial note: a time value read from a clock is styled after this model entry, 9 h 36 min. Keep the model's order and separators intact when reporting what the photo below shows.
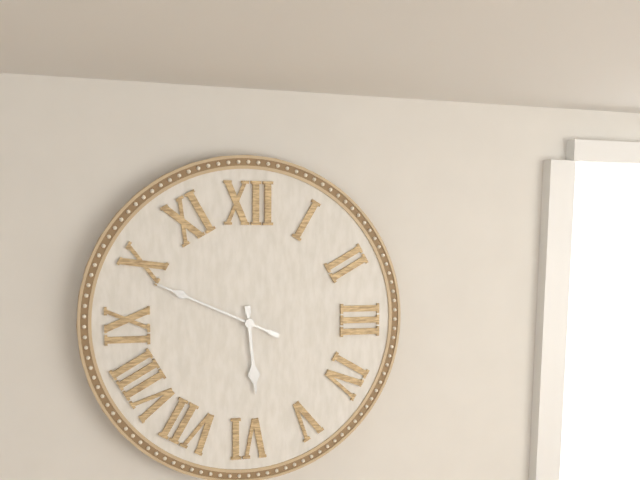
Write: 5 h 49 min
